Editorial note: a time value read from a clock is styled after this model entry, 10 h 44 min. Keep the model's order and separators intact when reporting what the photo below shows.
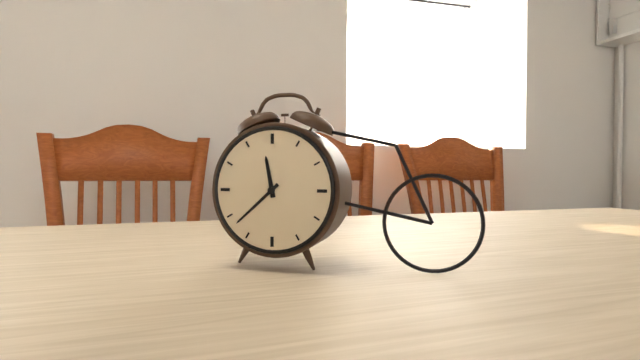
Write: 11 h 38 min
